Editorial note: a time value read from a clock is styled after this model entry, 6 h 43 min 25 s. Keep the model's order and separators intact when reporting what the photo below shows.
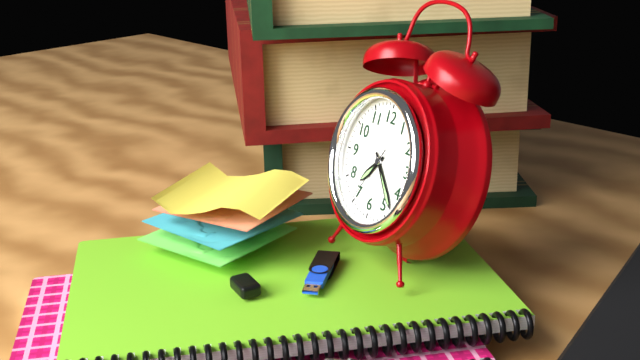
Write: 7 h 23 min 35 s
